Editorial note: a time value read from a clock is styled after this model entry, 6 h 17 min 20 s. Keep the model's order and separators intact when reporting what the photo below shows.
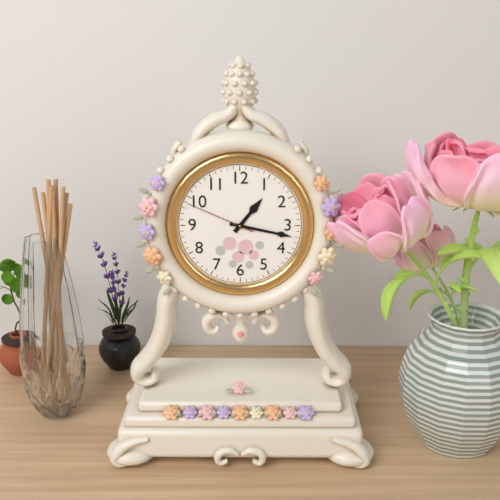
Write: 1 h 17 min 49 s
